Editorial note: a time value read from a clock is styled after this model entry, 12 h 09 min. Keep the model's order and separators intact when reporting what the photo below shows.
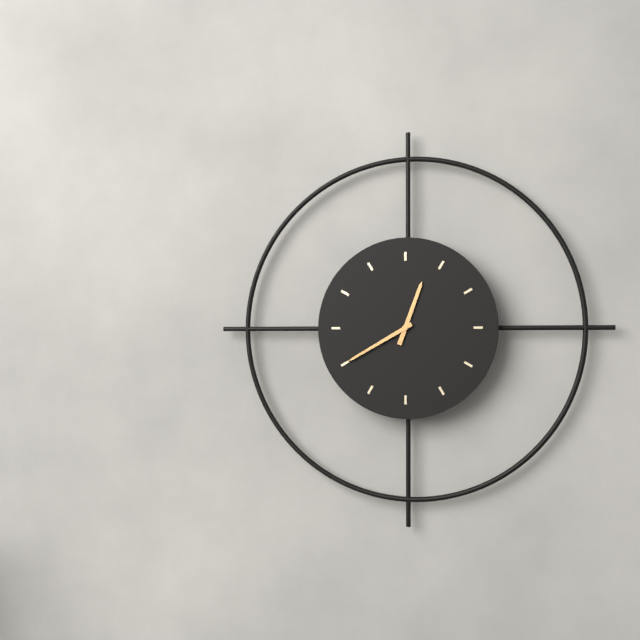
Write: 12 h 40 min
